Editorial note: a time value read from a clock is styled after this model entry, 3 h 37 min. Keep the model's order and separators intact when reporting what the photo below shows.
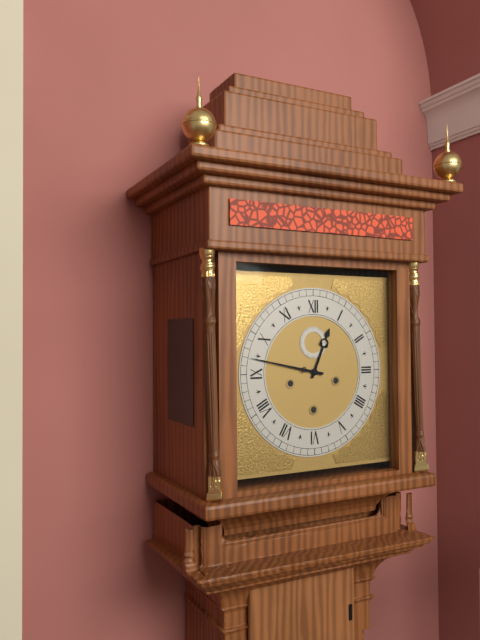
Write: 12 h 47 min
